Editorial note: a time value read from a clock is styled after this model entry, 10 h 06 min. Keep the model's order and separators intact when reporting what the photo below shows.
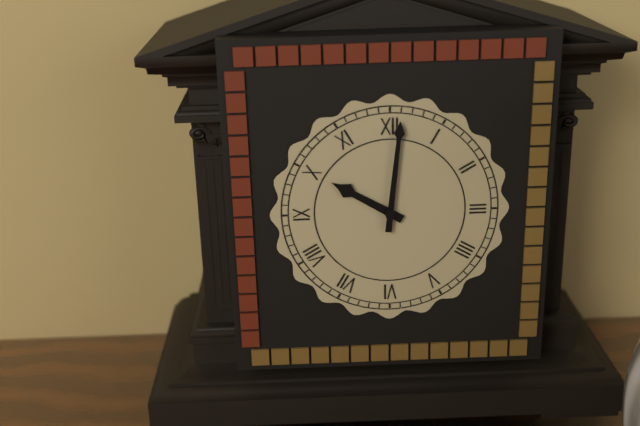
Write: 10 h 01 min
